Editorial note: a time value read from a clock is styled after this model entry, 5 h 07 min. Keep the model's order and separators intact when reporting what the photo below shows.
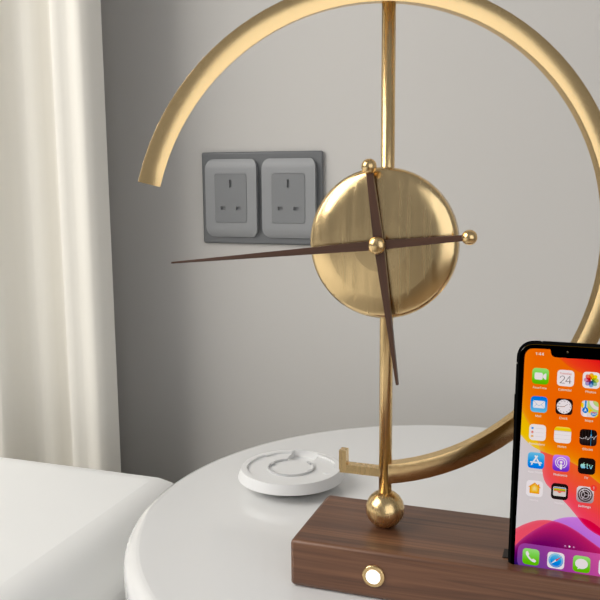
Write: 5 h 44 min
